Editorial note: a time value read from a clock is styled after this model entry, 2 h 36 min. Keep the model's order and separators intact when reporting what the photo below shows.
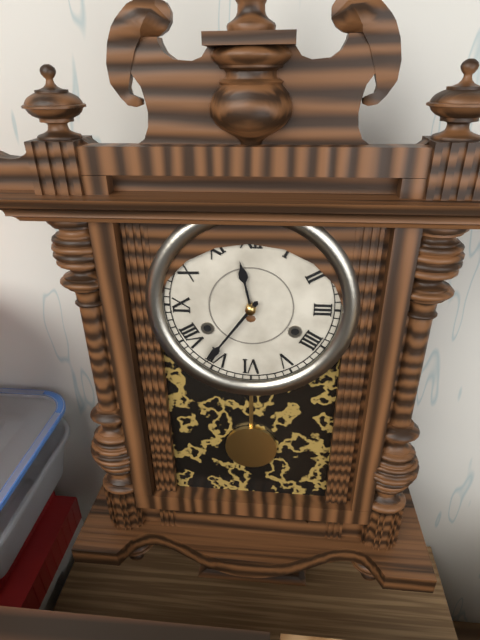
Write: 11 h 36 min
